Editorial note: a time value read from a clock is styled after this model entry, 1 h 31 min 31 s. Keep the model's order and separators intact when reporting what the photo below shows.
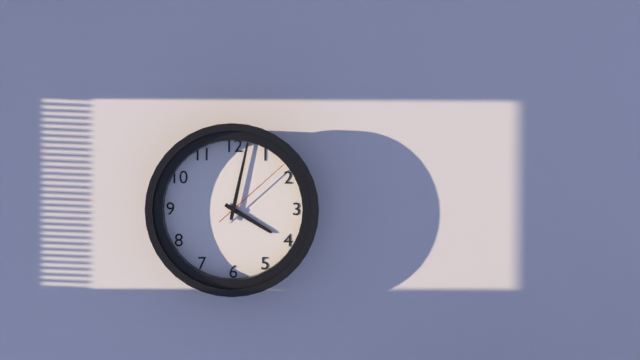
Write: 4 h 02 min 08 s
